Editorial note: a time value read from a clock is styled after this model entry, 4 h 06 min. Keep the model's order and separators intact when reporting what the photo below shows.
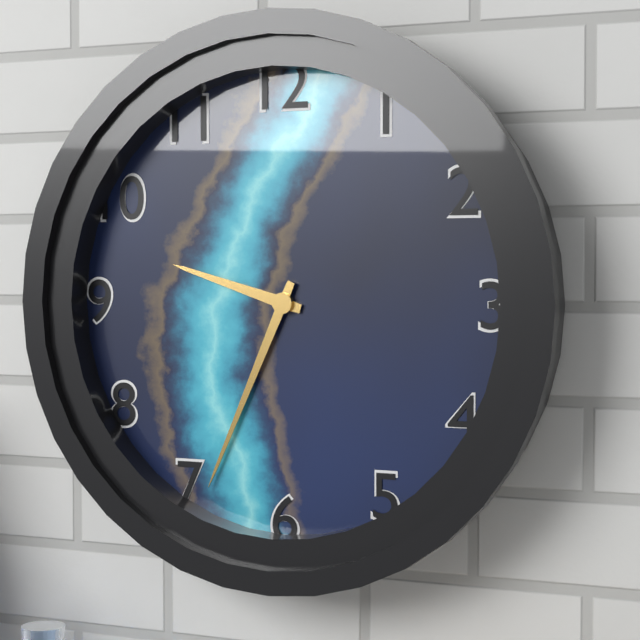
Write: 9 h 34 min
